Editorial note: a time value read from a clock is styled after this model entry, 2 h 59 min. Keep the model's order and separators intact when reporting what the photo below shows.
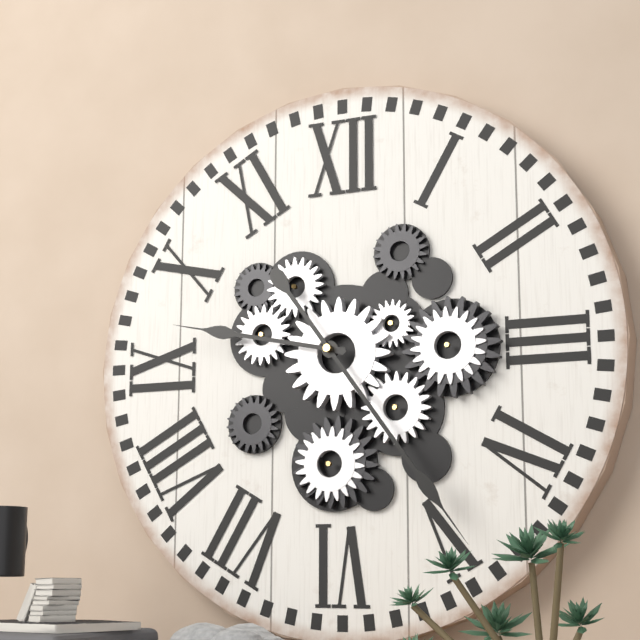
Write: 9 h 24 min
